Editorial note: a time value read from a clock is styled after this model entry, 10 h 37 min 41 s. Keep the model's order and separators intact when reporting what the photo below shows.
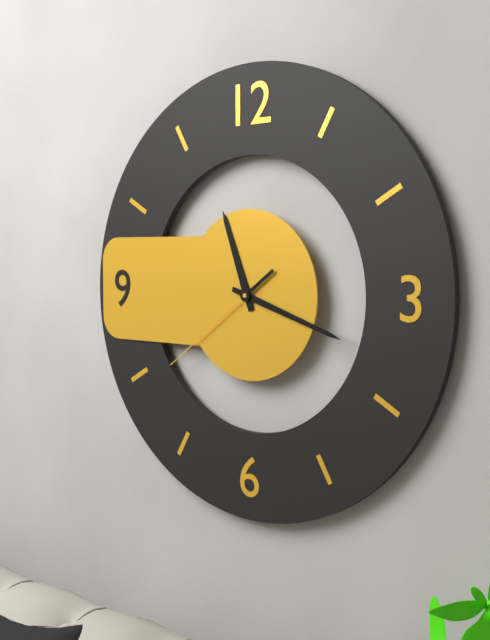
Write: 11 h 18 min 39 s
